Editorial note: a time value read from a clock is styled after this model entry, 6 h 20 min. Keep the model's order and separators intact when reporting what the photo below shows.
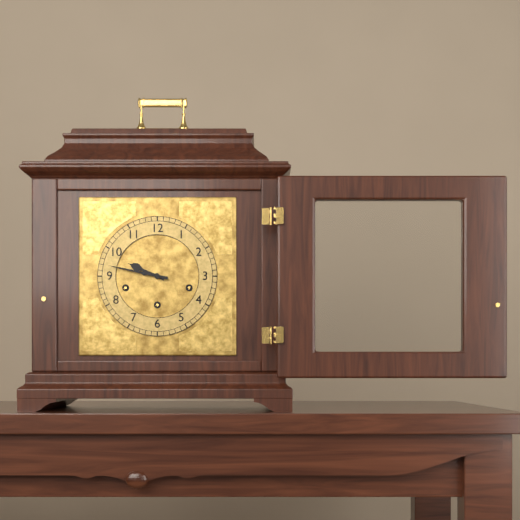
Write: 9 h 47 min
